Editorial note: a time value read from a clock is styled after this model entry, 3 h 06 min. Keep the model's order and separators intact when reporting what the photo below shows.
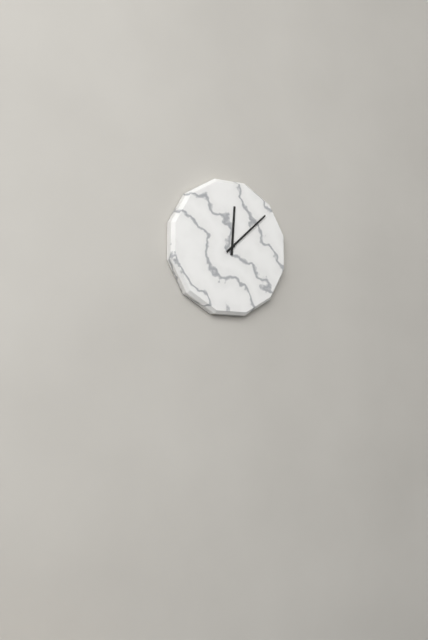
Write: 12 h 08 min
